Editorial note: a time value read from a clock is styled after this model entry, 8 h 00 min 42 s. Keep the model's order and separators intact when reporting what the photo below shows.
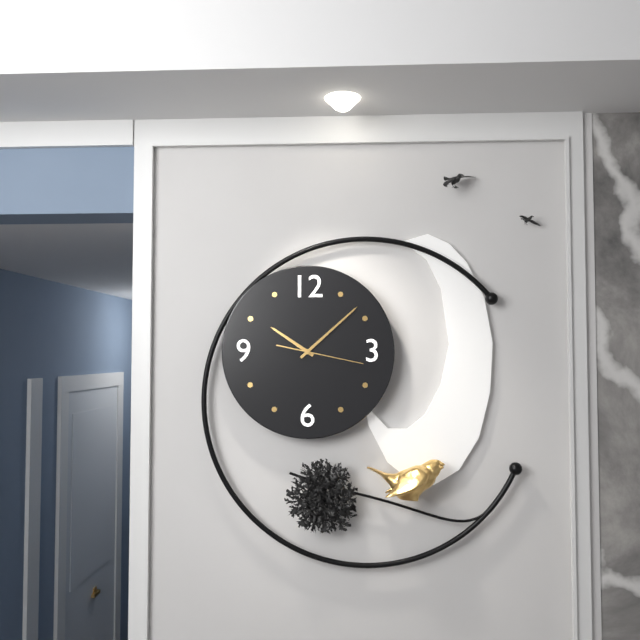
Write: 10 h 08 min 17 s
